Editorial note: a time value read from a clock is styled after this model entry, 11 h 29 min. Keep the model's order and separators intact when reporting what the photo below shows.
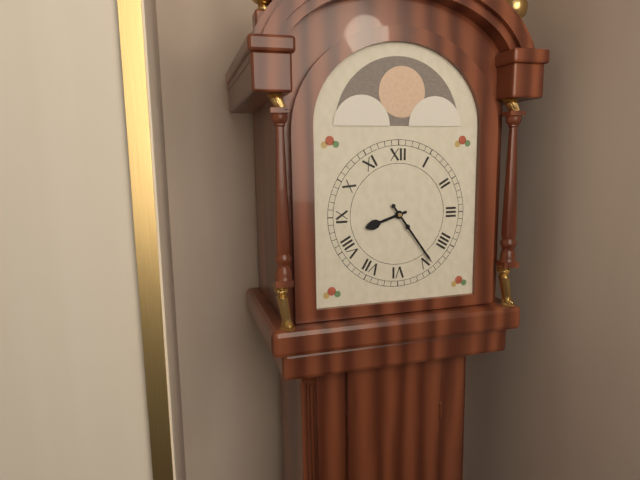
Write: 8 h 24 min
